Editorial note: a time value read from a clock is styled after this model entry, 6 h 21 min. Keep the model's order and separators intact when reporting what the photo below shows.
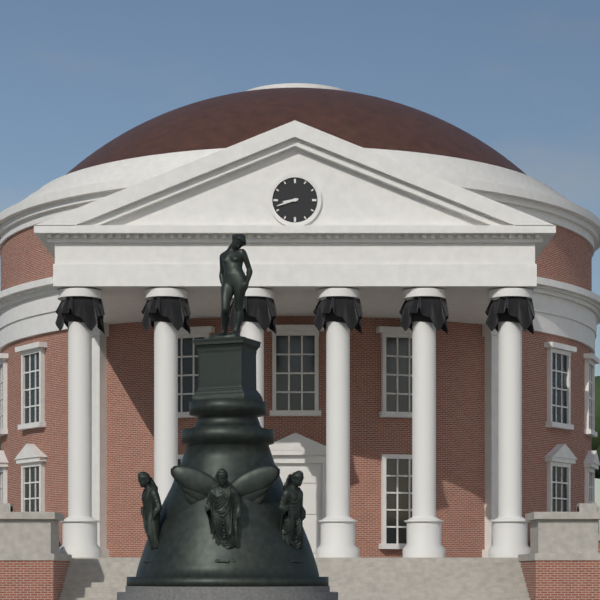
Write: 8 h 42 min
